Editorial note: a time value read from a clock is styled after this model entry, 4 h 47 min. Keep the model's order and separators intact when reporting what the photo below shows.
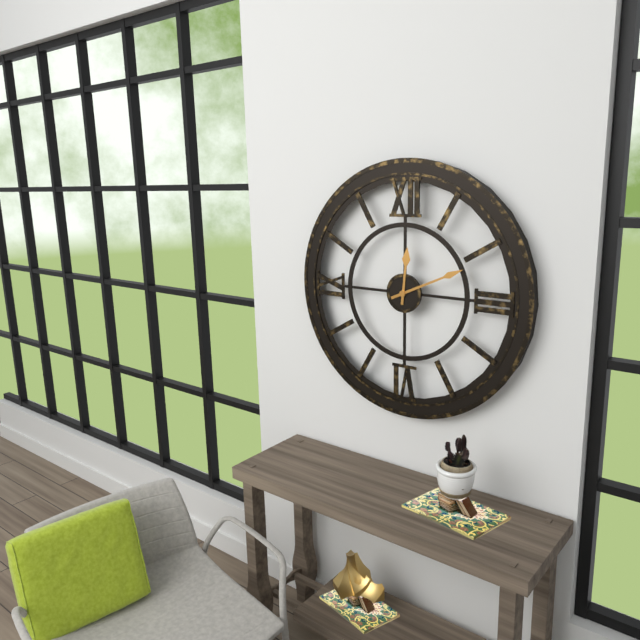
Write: 12 h 11 min
